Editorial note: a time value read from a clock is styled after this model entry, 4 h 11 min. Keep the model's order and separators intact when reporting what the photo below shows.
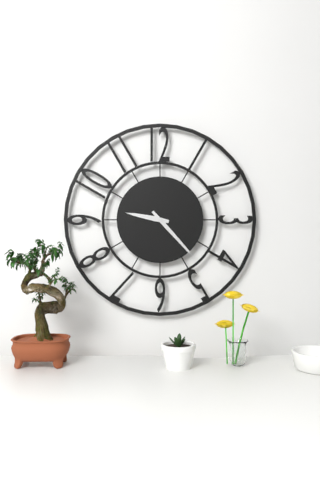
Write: 9 h 23 min
